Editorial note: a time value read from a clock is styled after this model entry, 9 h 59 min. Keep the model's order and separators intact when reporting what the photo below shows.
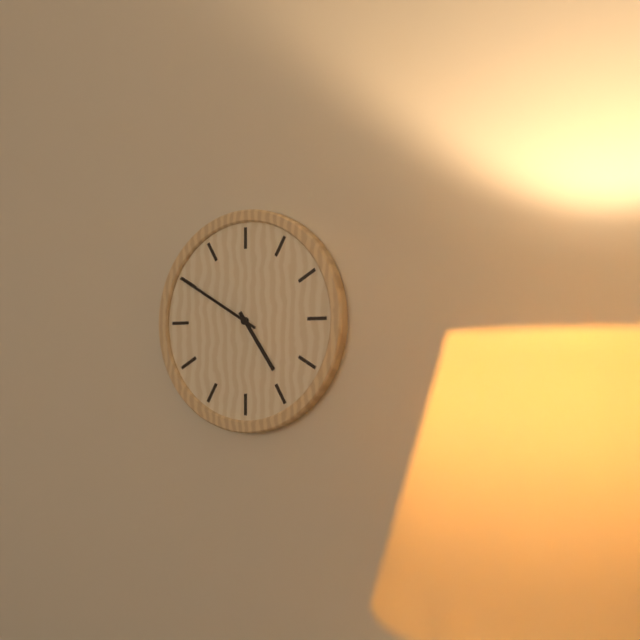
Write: 4 h 50 min
